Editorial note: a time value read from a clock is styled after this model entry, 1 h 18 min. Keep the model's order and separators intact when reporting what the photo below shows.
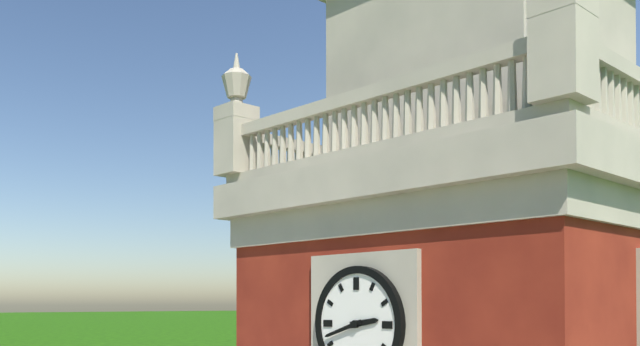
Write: 2 h 42 min
